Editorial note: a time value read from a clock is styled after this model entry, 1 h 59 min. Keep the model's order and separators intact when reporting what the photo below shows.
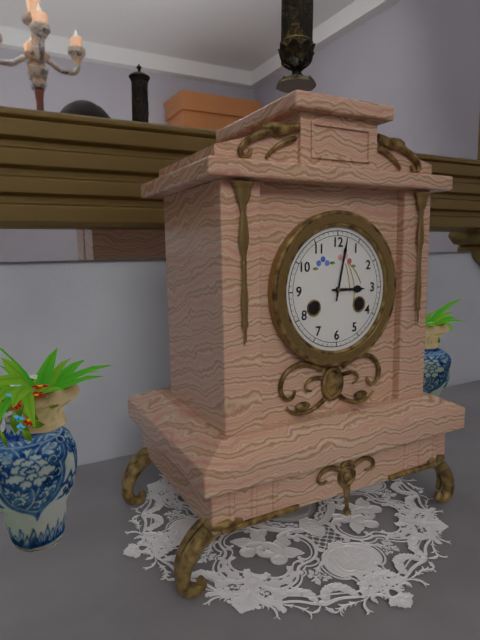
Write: 3 h 02 min
